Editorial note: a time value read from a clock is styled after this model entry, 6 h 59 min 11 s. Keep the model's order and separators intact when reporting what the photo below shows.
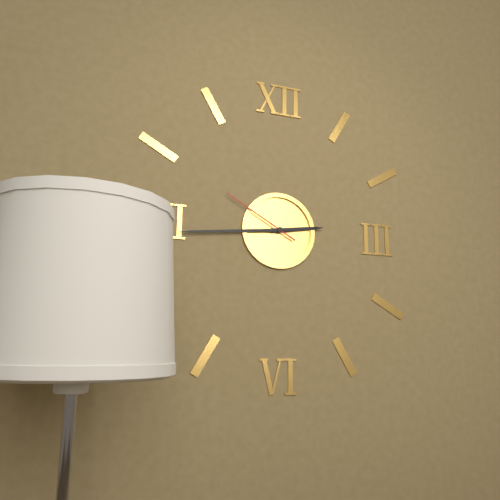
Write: 2 h 44 min 50 s
